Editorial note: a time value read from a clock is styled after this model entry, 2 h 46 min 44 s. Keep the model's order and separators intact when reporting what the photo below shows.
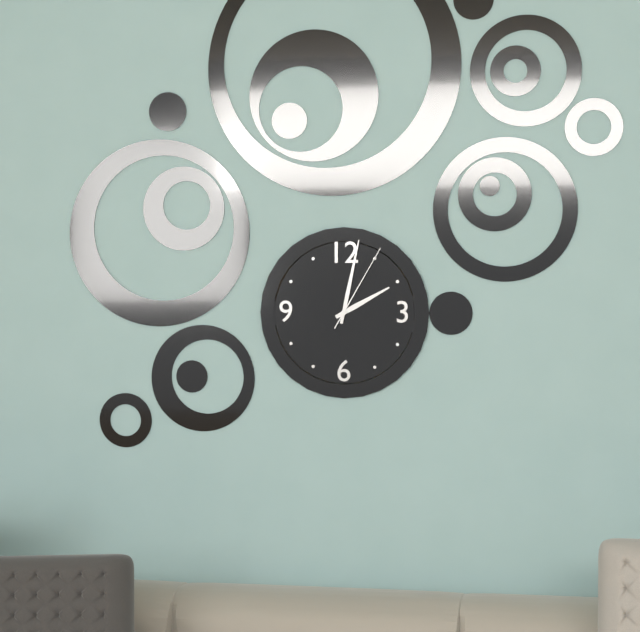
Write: 2 h 02 min 05 s
